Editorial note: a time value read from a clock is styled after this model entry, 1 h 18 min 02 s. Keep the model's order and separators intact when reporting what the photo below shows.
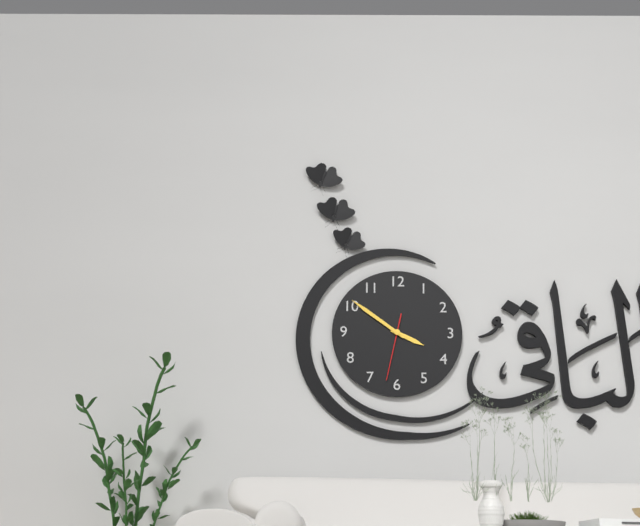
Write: 3 h 51 min 32 s
